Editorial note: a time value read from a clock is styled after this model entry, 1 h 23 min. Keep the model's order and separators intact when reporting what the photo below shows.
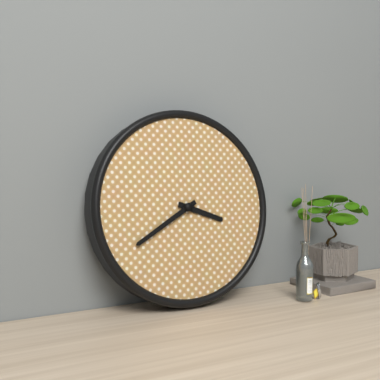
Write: 3 h 40 min
